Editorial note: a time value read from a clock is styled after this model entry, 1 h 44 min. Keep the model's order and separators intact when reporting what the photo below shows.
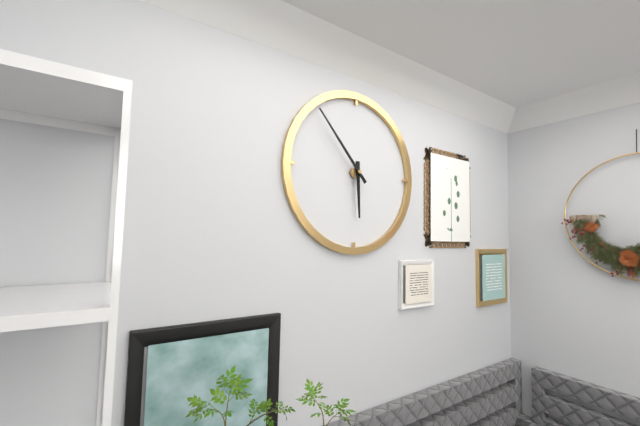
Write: 5 h 53 min
